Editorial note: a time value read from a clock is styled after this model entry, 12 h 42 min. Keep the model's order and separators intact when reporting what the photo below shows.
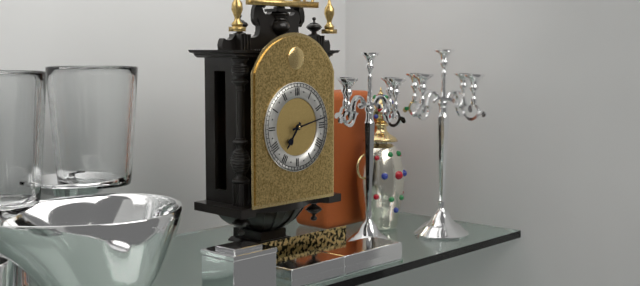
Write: 7 h 13 min
